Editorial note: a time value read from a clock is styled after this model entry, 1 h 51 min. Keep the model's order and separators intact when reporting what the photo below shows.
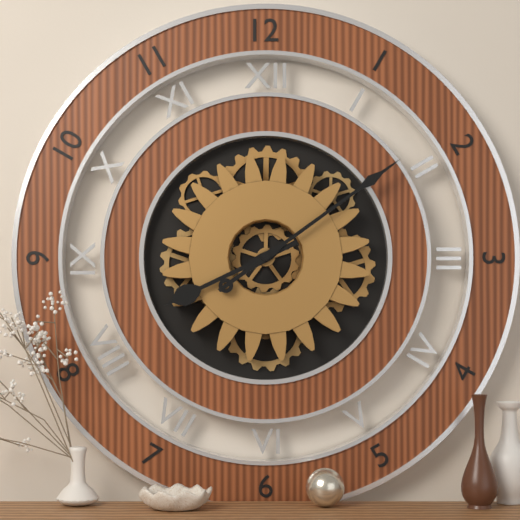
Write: 8 h 09 min
